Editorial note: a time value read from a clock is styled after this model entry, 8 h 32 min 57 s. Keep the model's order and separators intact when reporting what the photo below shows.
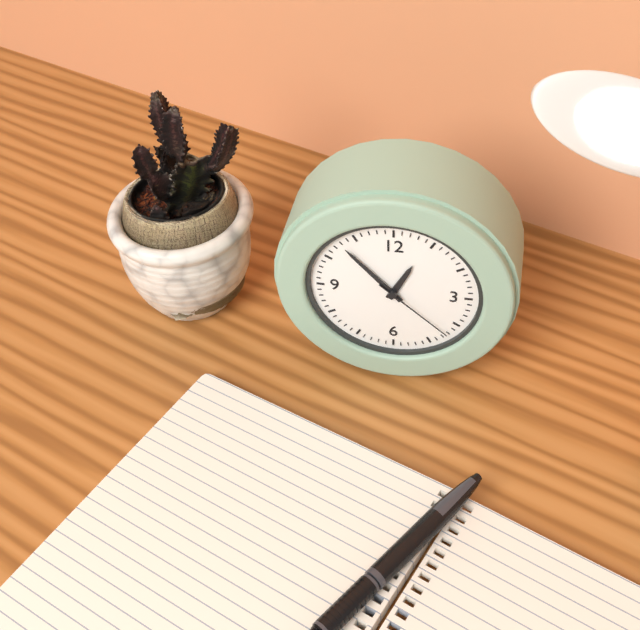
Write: 12 h 53 min 22 s
